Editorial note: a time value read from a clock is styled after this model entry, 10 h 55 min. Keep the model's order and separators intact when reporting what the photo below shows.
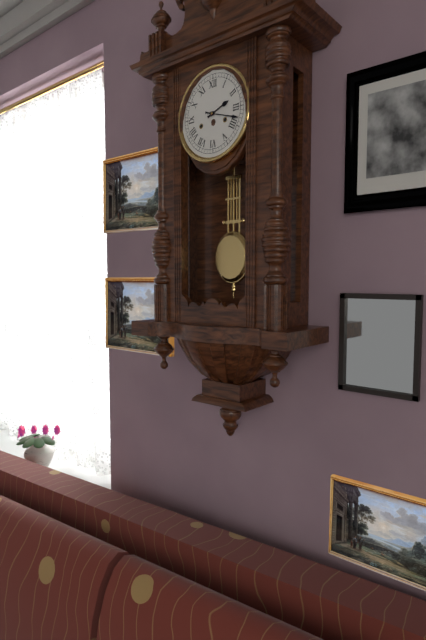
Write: 2 h 18 min
